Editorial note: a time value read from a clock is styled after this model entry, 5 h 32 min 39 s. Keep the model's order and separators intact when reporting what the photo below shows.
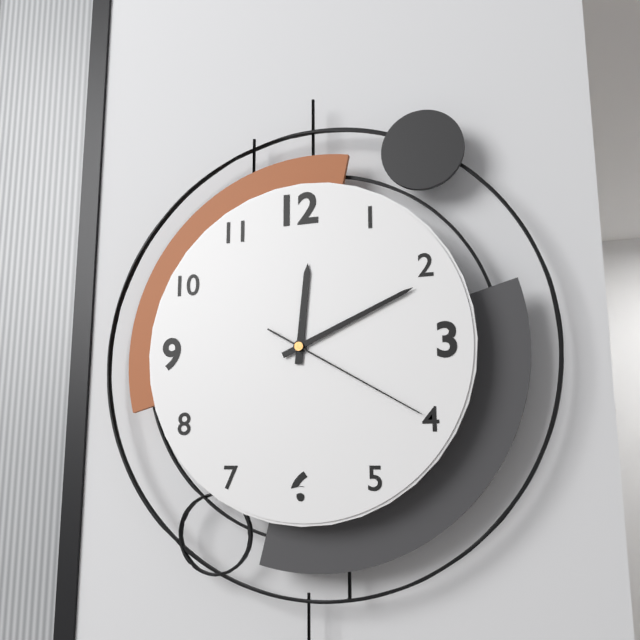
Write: 12 h 11 min 20 s
